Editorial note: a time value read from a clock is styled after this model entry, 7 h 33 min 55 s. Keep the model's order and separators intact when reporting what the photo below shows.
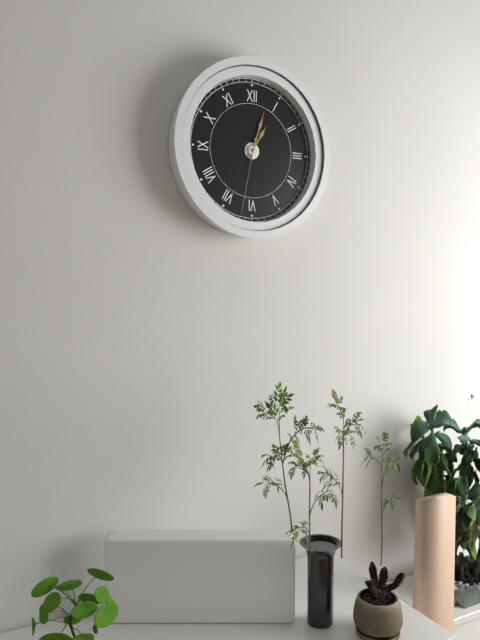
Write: 1 h 03 min 32 s
